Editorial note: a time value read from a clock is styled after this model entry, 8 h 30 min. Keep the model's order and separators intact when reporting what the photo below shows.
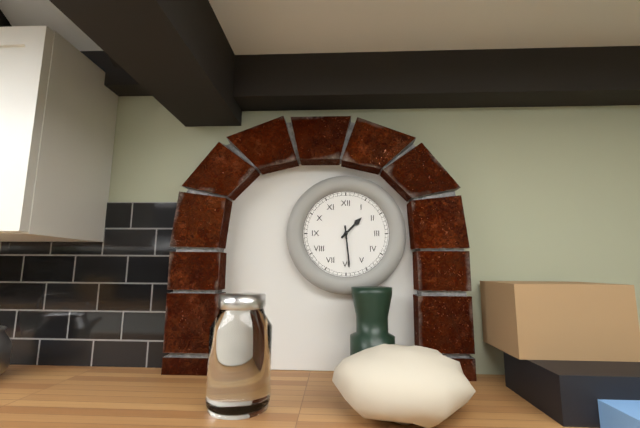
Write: 1 h 29 min
